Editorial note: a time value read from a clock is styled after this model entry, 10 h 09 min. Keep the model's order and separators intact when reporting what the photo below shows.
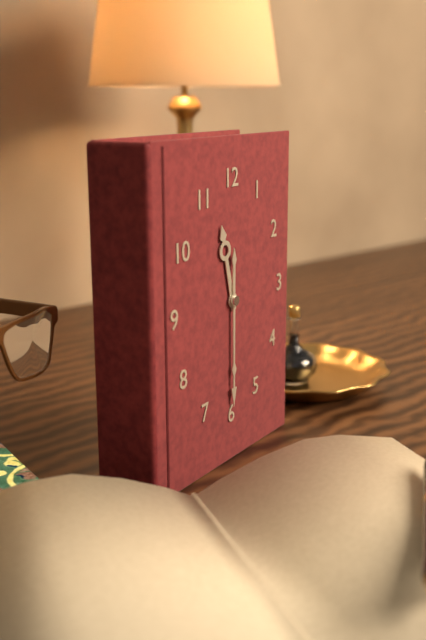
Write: 11 h 30 min
